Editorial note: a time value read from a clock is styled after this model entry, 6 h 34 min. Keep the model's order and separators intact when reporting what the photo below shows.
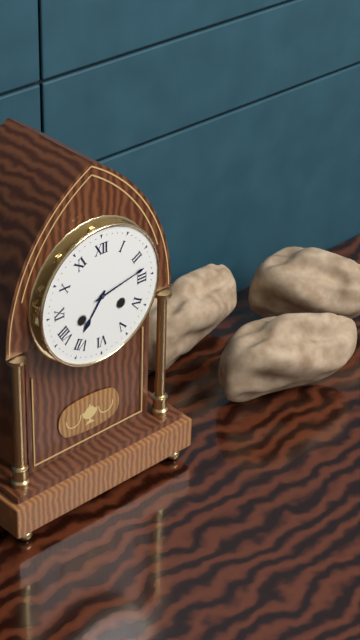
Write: 7 h 13 min
